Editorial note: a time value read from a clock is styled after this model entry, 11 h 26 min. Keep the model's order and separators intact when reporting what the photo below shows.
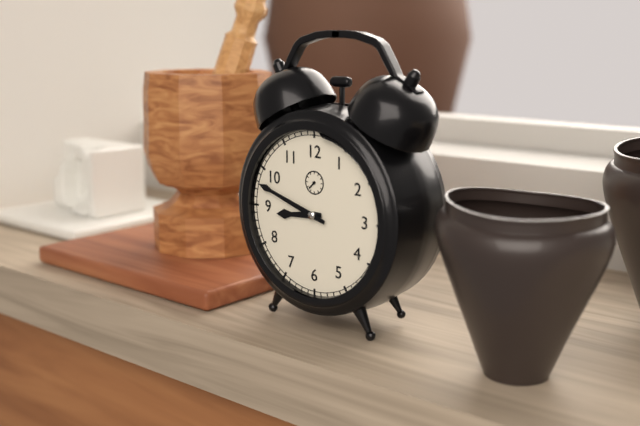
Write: 8 h 48 min
